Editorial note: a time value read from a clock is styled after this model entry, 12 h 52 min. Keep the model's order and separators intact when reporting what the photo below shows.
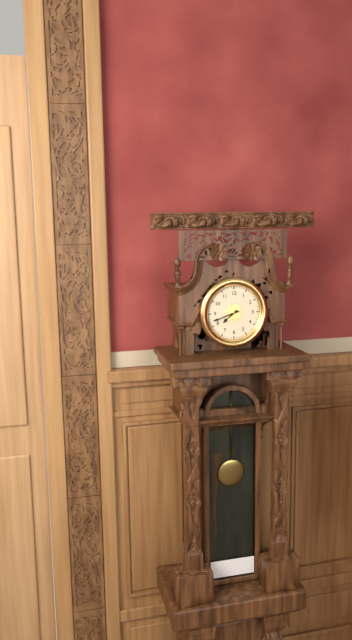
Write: 7 h 42 min
